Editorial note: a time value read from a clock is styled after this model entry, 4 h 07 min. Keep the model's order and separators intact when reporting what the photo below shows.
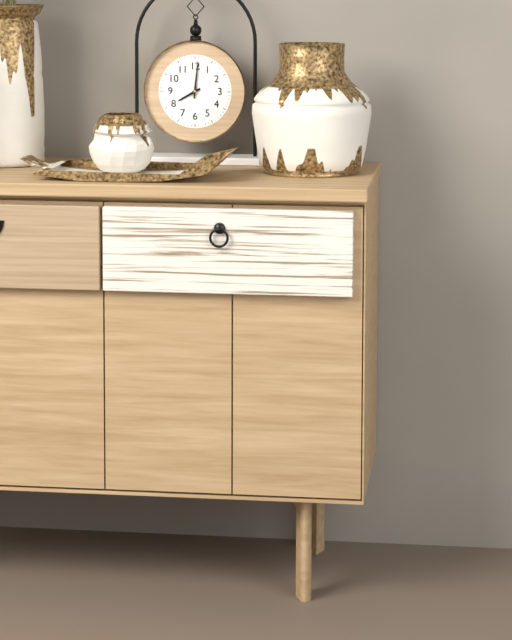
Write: 8 h 01 min
